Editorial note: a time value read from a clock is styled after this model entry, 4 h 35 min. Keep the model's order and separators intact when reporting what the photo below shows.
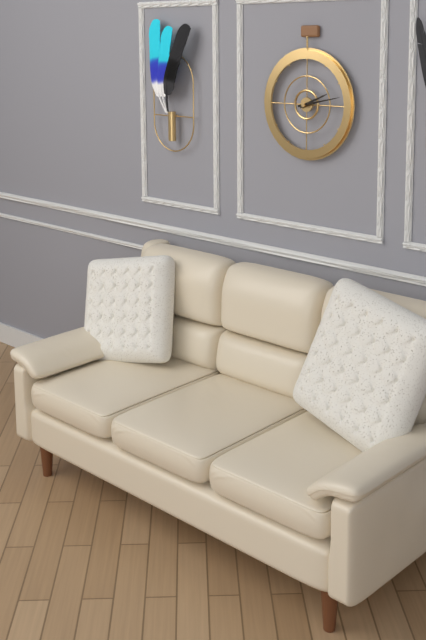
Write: 2 h 13 min
